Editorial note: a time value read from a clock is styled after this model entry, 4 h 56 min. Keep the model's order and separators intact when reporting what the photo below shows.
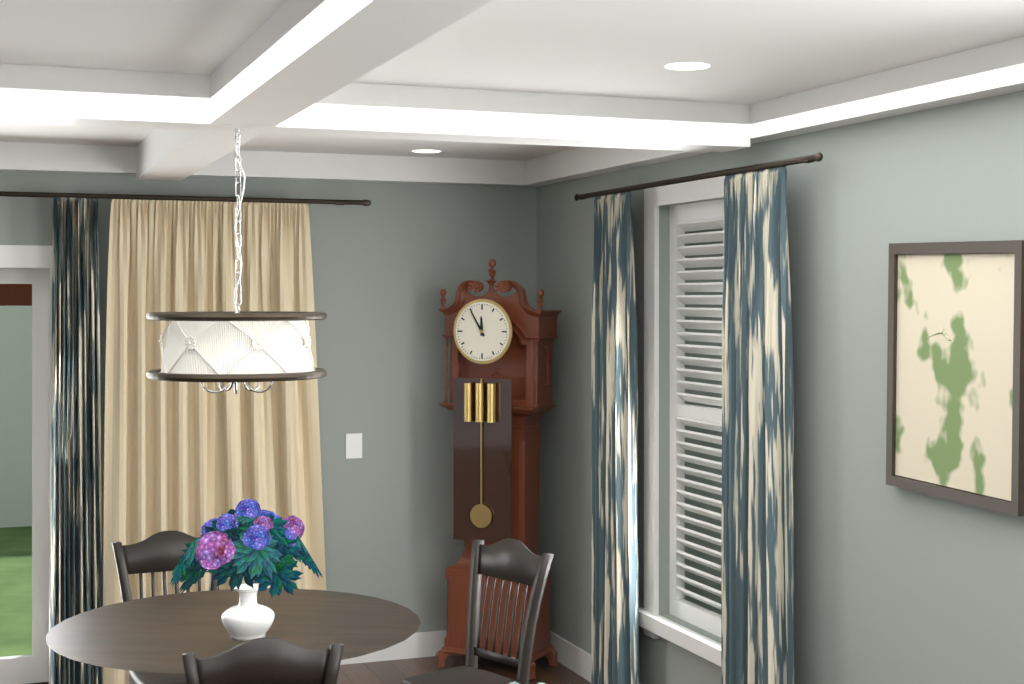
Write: 11 h 55 min
